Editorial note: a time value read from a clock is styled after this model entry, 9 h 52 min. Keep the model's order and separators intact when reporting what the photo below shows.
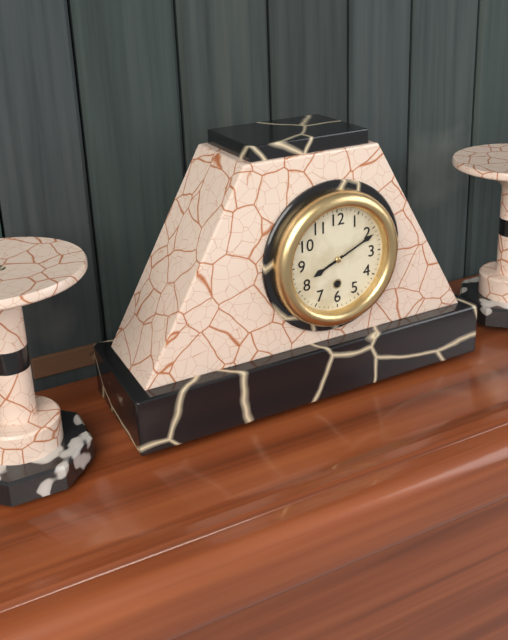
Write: 8 h 11 min
